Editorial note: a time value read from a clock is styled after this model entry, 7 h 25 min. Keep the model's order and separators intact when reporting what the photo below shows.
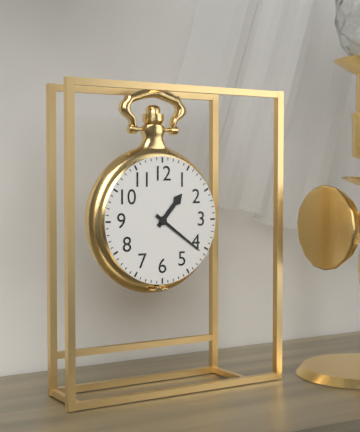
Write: 1 h 21 min
